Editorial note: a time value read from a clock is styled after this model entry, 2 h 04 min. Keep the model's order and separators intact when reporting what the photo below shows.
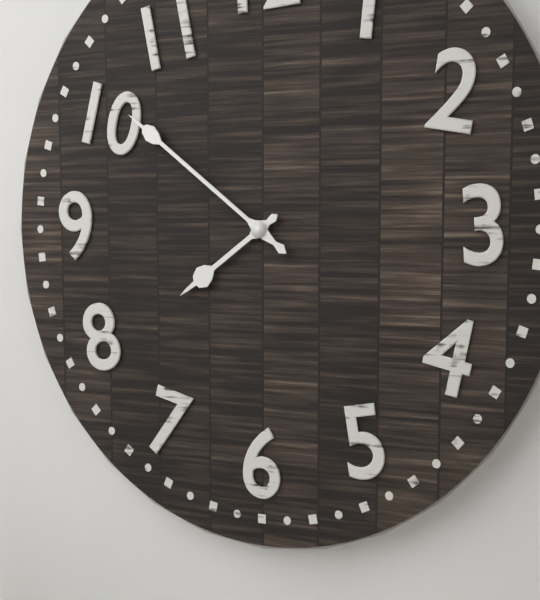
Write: 7 h 51 min
